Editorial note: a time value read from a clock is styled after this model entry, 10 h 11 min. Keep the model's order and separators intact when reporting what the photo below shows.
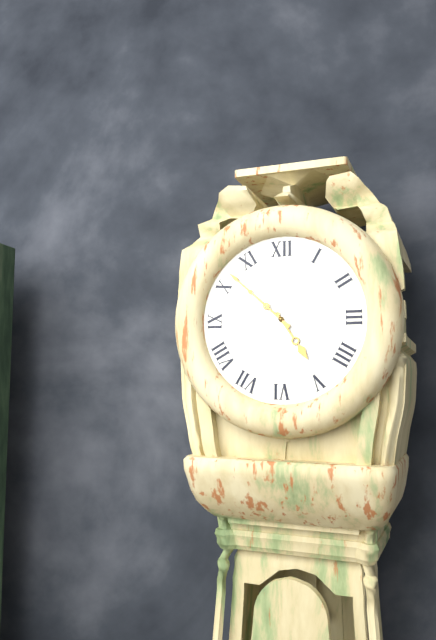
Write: 4 h 52 min
